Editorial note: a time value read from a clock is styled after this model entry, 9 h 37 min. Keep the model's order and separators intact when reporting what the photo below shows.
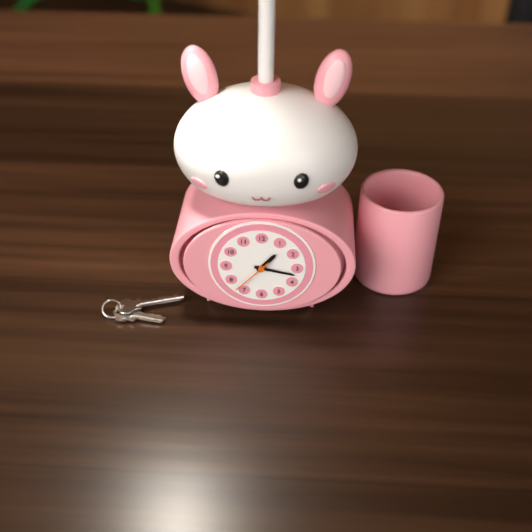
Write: 1 h 17 min
